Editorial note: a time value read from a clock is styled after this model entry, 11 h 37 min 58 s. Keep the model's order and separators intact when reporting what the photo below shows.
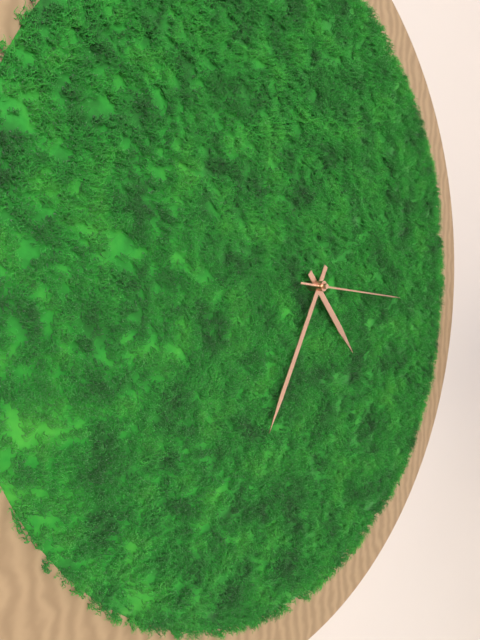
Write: 4 h 35 min 16 s
